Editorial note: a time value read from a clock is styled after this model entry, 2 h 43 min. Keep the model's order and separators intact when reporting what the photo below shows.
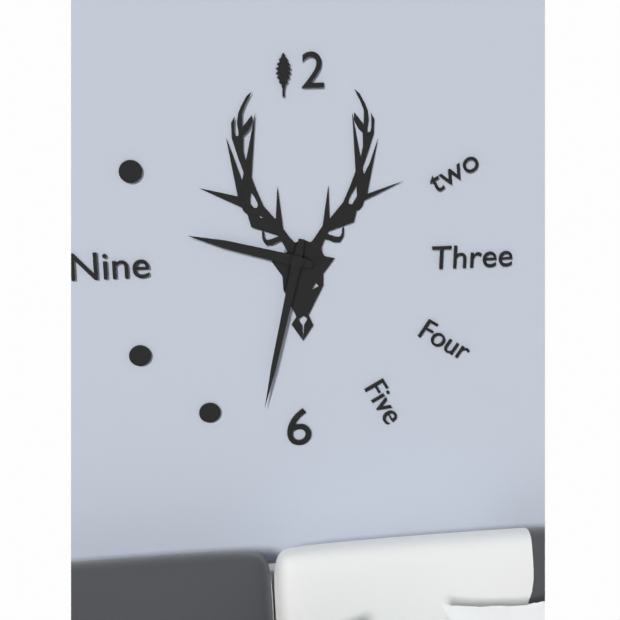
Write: 9 h 32 min
